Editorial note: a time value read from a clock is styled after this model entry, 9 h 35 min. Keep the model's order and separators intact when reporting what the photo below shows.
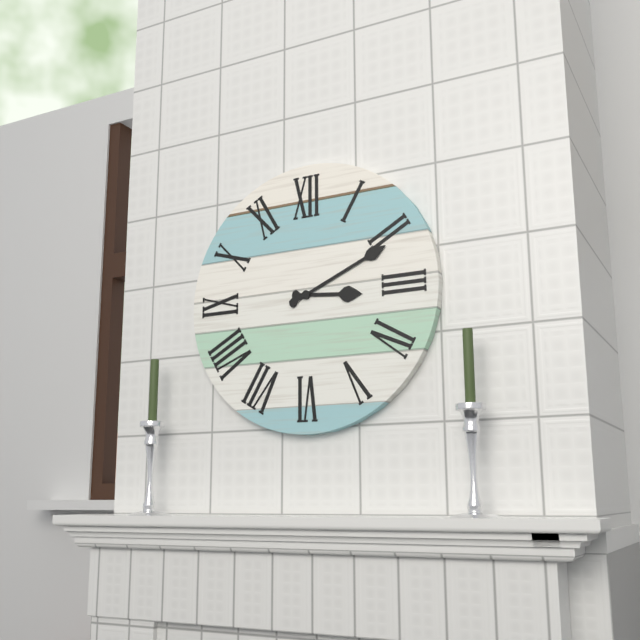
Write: 3 h 11 min
